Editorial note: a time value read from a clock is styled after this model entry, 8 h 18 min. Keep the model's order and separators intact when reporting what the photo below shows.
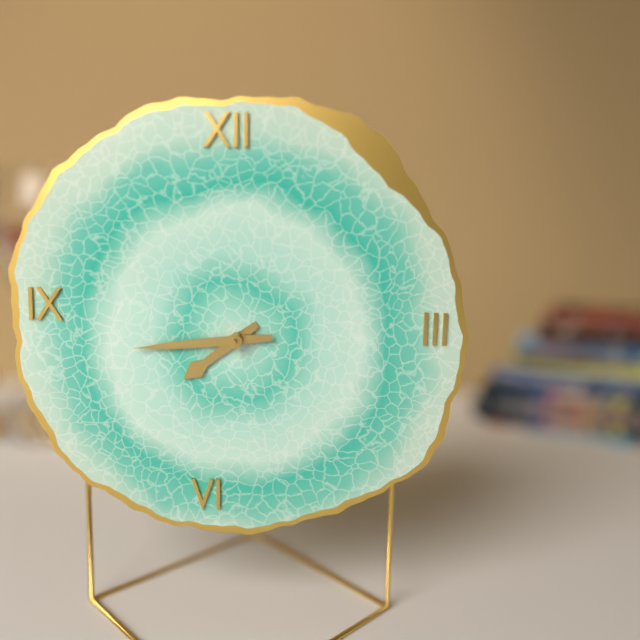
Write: 7 h 44 min
